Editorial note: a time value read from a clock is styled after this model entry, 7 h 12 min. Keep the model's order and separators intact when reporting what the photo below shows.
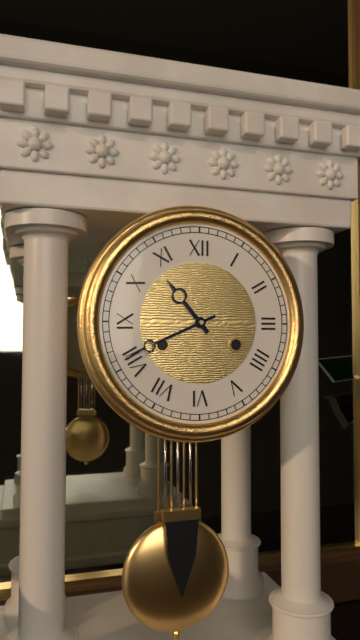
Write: 10 h 41 min
